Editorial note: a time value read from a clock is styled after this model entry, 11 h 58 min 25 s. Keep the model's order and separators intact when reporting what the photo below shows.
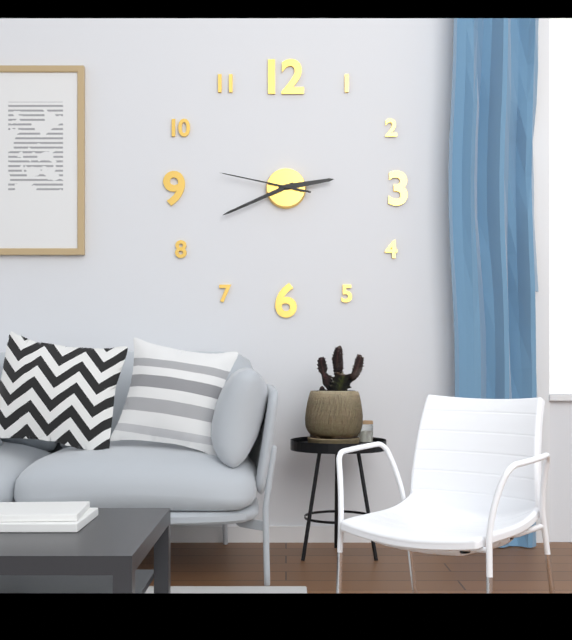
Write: 2 h 41 min 47 s
